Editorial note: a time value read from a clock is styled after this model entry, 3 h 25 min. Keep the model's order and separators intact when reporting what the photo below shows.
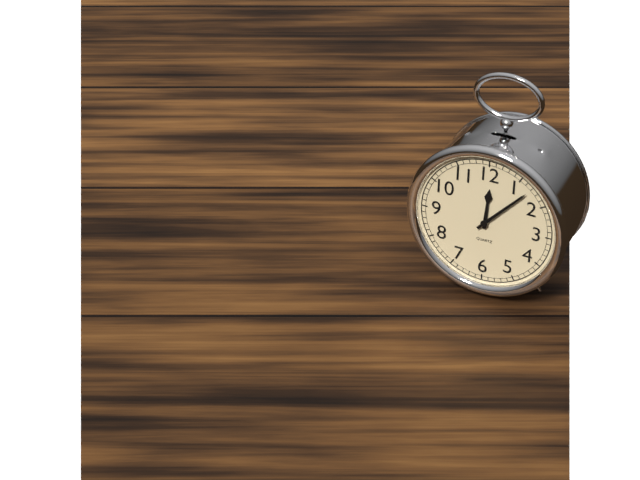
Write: 12 h 07 min
